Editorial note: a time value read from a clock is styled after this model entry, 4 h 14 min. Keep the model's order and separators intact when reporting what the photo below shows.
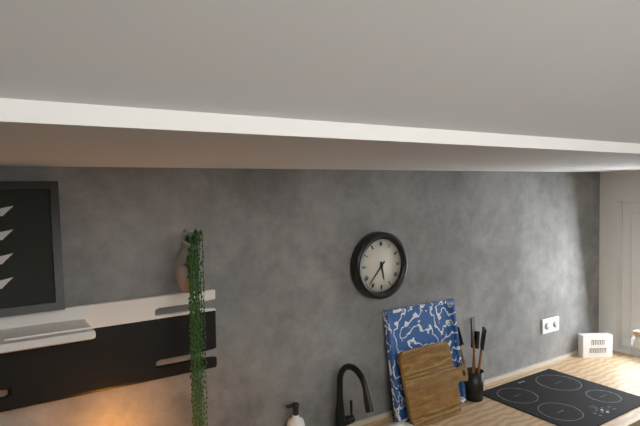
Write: 5 h 37 min
